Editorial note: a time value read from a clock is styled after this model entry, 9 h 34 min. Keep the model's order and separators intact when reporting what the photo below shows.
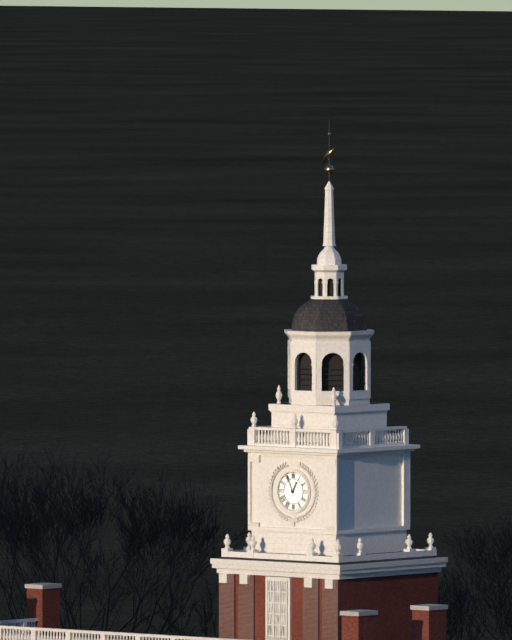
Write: 12 h 56 min
